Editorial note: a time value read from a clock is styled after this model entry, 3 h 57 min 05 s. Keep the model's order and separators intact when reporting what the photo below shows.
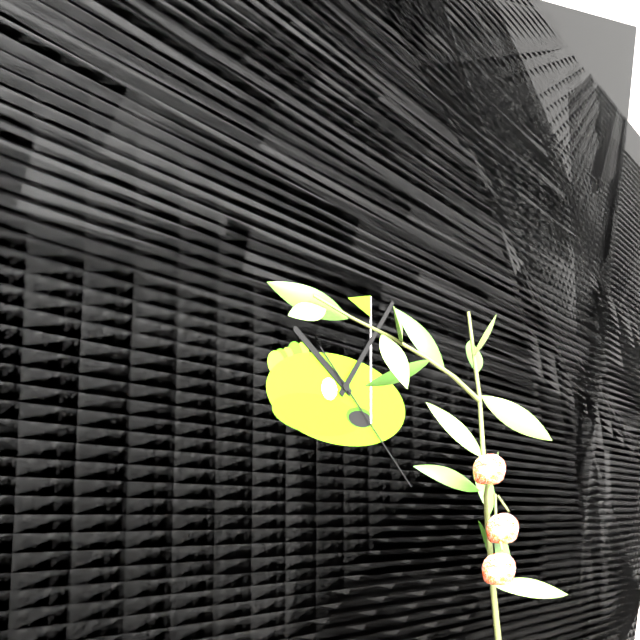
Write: 10 h 06 min 22 s
